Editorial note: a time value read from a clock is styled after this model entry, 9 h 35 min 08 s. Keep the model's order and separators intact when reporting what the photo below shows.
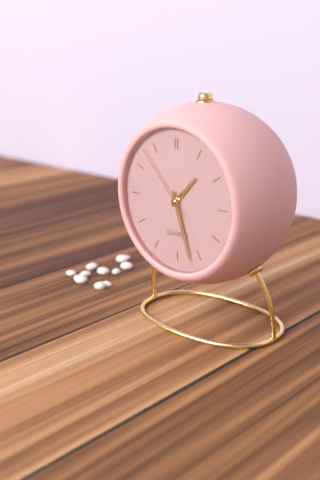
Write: 1 h 27 min 53 s
